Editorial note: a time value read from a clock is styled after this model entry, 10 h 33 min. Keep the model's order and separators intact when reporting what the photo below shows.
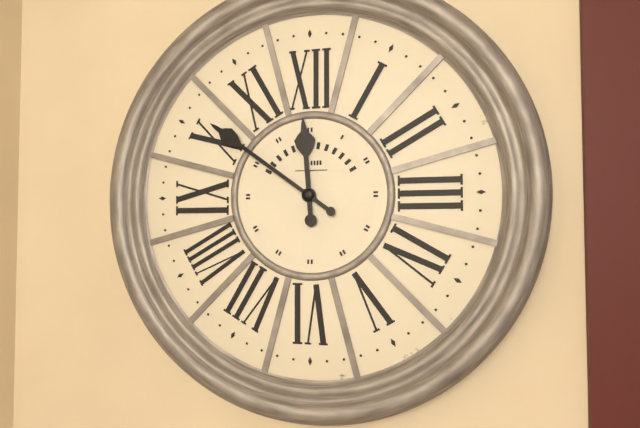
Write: 11 h 51 min
